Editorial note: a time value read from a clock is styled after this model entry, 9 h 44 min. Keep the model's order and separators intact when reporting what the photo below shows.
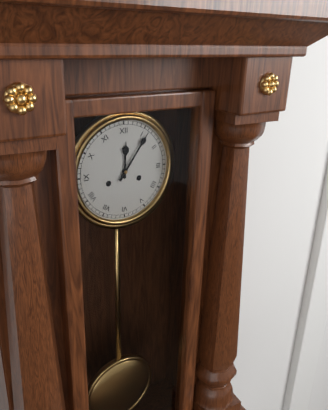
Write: 12 h 06 min
